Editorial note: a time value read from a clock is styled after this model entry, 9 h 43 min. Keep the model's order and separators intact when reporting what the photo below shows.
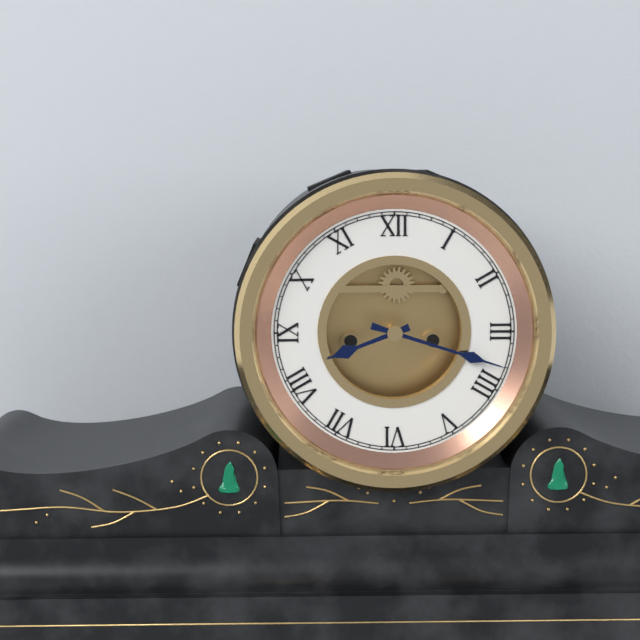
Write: 8 h 18 min
